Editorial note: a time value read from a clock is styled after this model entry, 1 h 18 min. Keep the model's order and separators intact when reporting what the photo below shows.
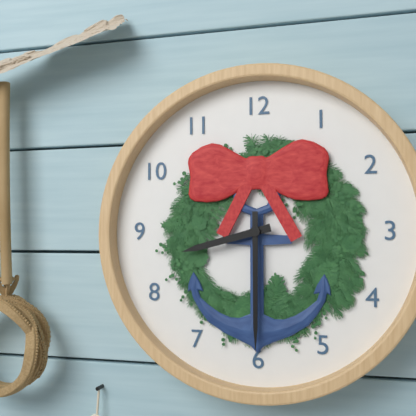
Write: 8 h 30 min
